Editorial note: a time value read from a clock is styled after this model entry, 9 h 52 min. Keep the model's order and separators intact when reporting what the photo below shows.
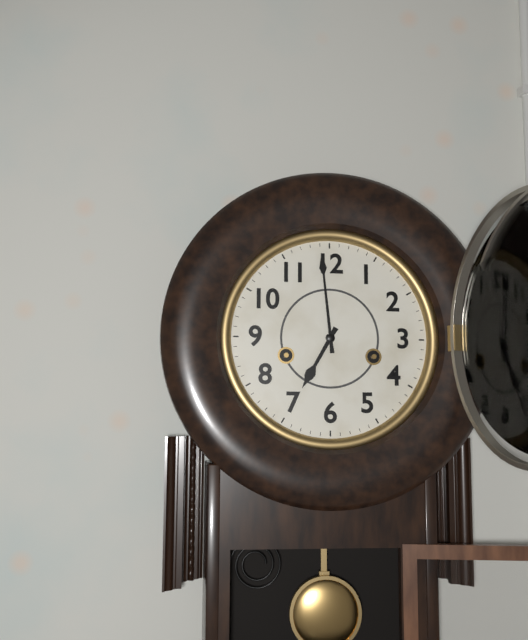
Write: 6 h 59 min
